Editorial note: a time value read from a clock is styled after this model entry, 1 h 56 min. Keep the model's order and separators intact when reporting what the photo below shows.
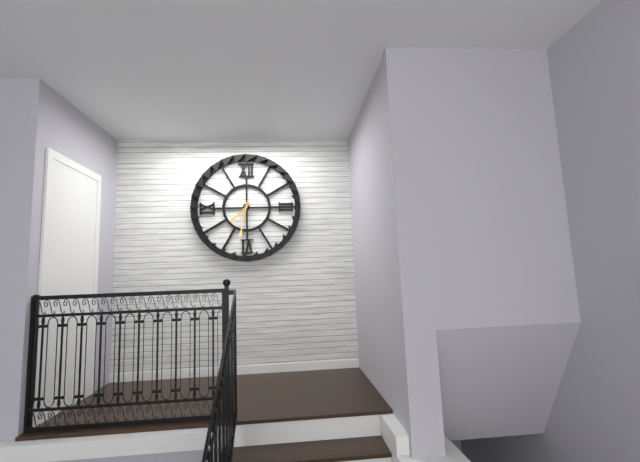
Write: 7 h 32 min
